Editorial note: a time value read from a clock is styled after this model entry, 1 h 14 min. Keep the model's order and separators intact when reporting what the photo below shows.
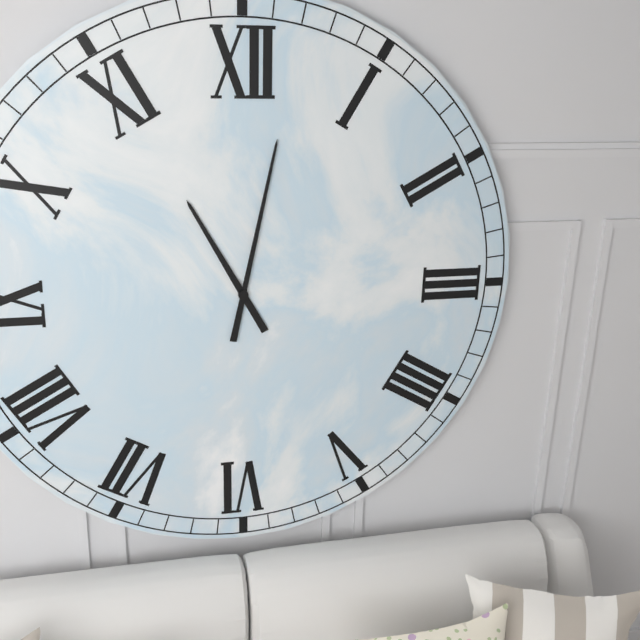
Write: 11 h 02 min
